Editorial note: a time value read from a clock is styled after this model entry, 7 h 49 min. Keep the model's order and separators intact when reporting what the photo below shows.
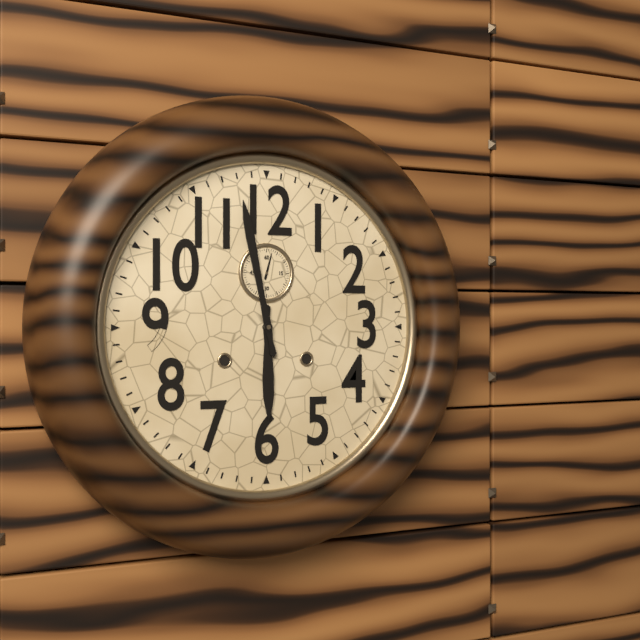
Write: 5 h 58 min
